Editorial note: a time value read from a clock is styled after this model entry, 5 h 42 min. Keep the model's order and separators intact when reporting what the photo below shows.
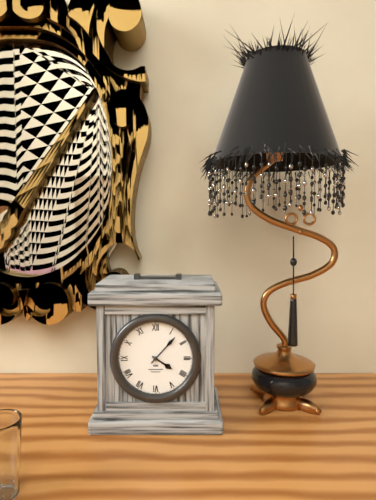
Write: 4 h 07 min
